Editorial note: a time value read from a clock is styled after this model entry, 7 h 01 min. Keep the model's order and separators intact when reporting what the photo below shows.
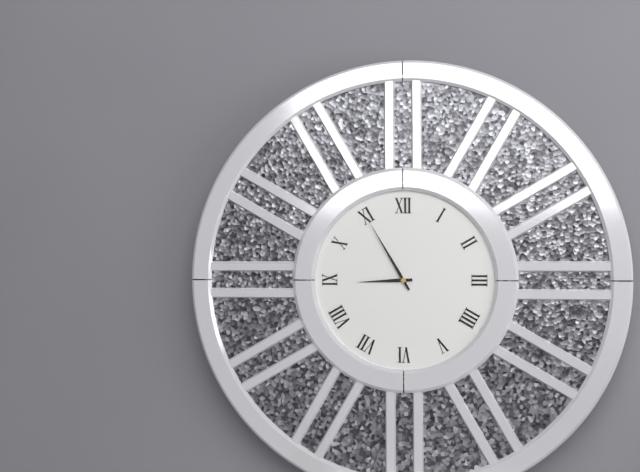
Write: 8 h 55 min
